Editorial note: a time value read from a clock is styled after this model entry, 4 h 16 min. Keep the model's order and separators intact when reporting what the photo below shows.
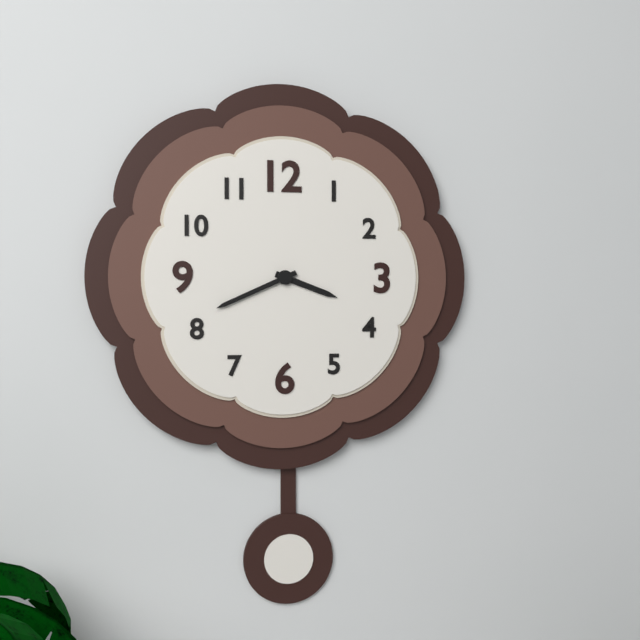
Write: 3 h 41 min
